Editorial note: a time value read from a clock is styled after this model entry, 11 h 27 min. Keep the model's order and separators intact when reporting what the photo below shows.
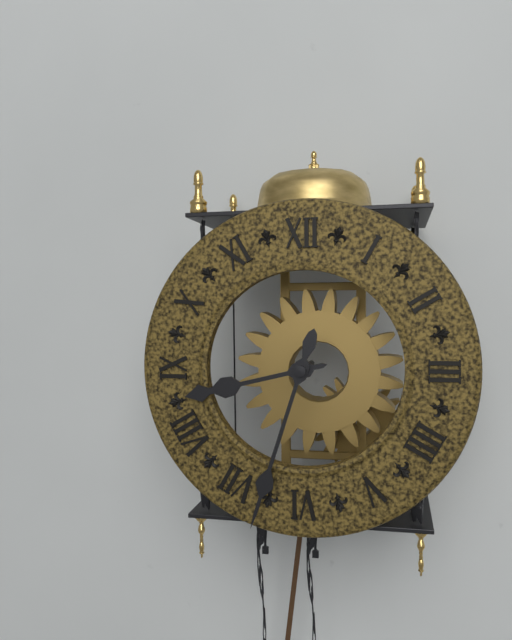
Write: 8 h 33 min
